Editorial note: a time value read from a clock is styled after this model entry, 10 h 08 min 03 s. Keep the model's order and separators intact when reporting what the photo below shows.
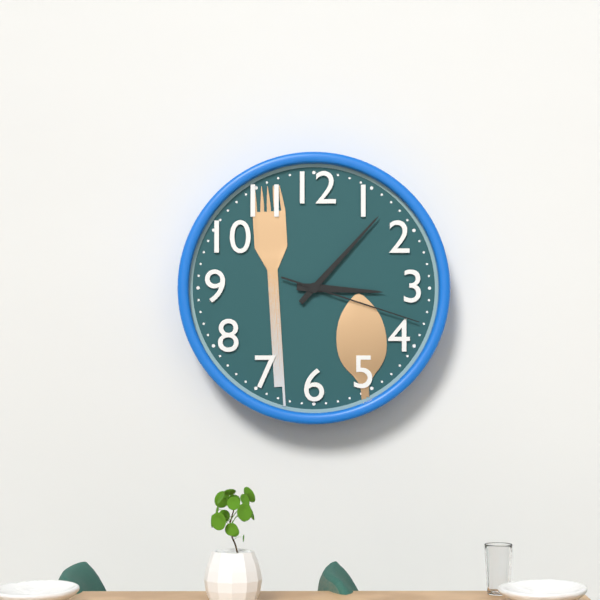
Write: 3 h 07 min 18 s
